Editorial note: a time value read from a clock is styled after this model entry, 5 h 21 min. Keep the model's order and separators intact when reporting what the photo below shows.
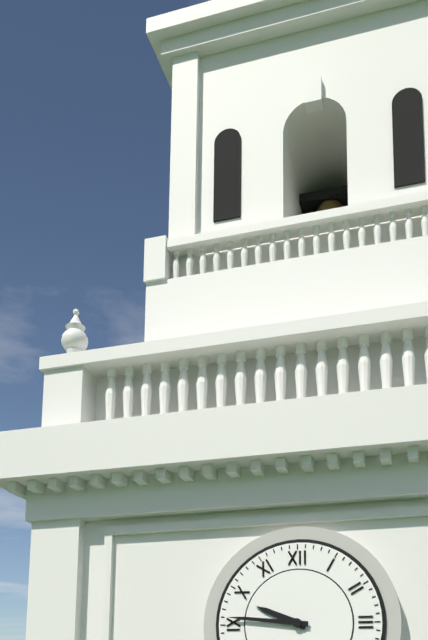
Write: 9 h 46 min
